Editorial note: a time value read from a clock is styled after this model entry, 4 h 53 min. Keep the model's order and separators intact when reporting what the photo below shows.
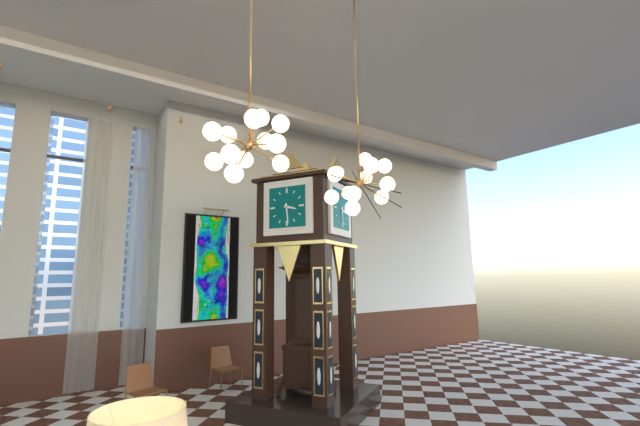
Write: 3 h 29 min
